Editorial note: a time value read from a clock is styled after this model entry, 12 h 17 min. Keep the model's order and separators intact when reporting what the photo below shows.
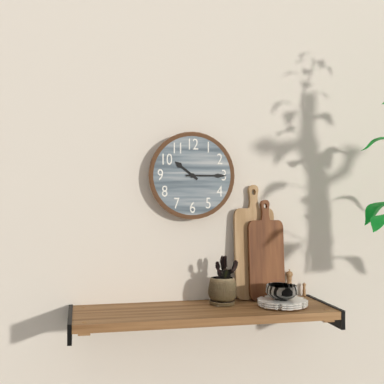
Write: 10 h 15 min
